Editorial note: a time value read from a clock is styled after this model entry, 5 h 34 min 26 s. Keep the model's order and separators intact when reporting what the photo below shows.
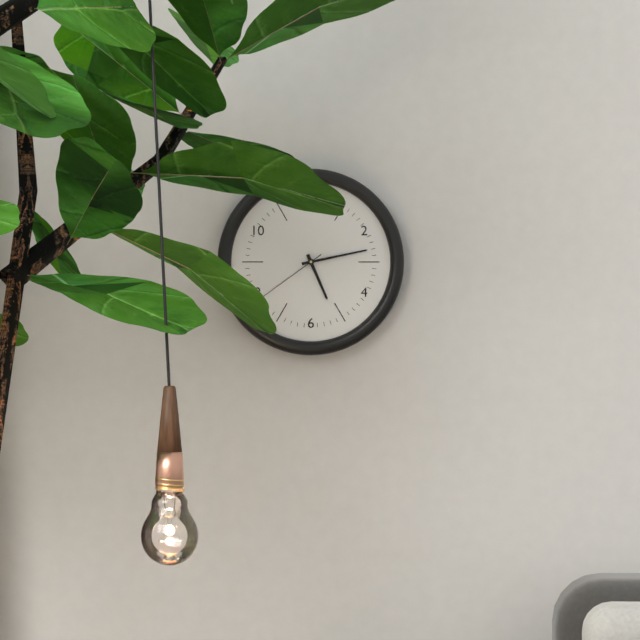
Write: 5 h 13 min 39 s
